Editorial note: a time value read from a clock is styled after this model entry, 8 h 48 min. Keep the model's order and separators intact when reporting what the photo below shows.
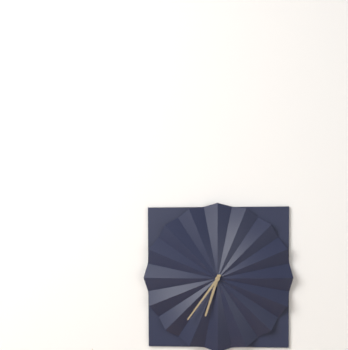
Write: 6 h 36 min
